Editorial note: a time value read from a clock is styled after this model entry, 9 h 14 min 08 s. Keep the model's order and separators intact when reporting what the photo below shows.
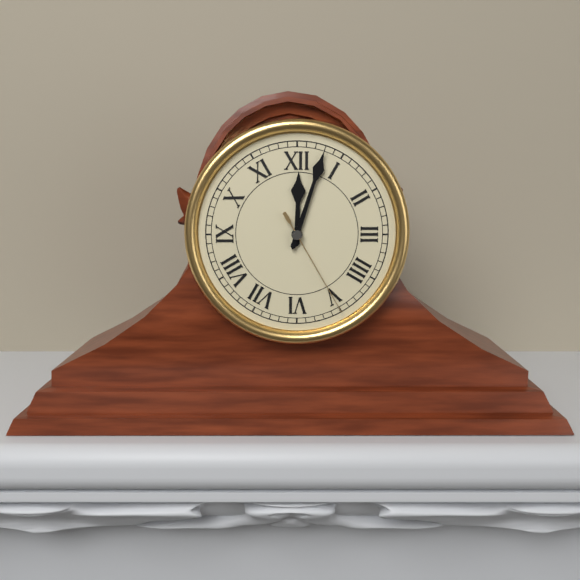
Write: 12 h 03 min 25 s
